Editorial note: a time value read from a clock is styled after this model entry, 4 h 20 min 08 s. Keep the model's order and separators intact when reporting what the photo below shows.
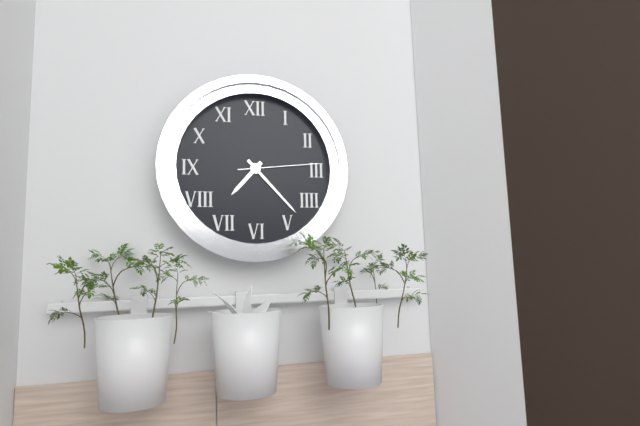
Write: 7 h 23 min 14 s
